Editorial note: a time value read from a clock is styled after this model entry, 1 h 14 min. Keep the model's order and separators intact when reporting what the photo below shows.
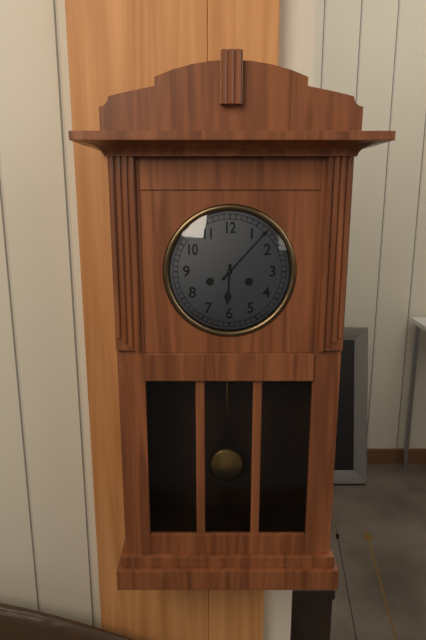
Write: 6 h 07 min
